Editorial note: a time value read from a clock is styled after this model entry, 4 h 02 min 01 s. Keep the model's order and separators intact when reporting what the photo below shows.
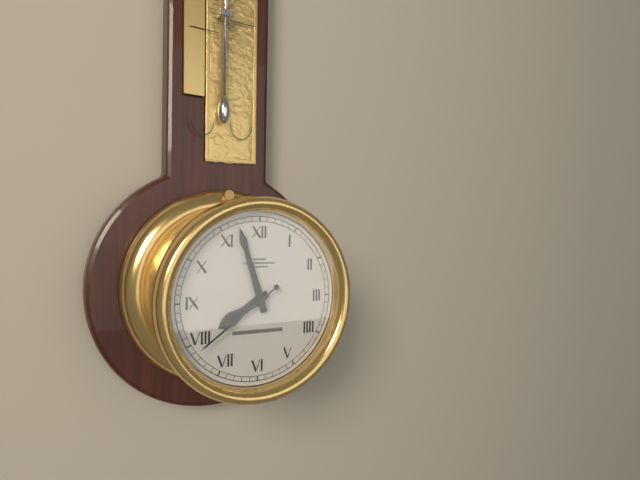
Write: 7 h 57 min 39 s
